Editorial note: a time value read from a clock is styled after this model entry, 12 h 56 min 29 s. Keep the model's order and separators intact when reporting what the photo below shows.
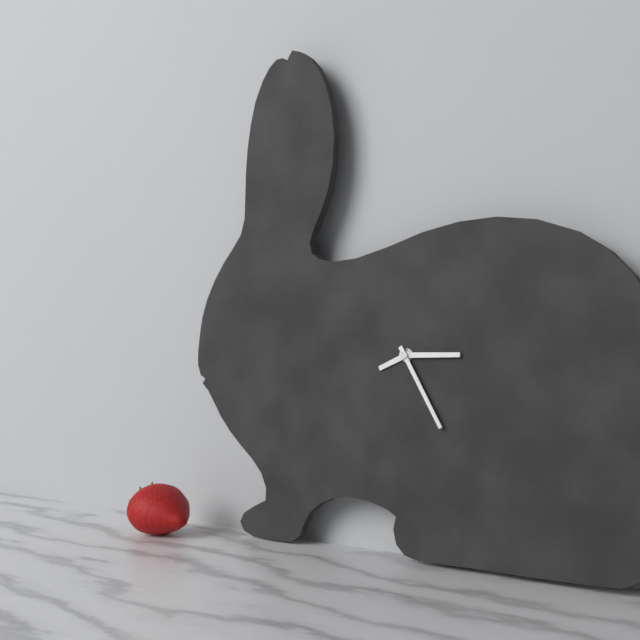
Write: 8 h 15 min 25 s
